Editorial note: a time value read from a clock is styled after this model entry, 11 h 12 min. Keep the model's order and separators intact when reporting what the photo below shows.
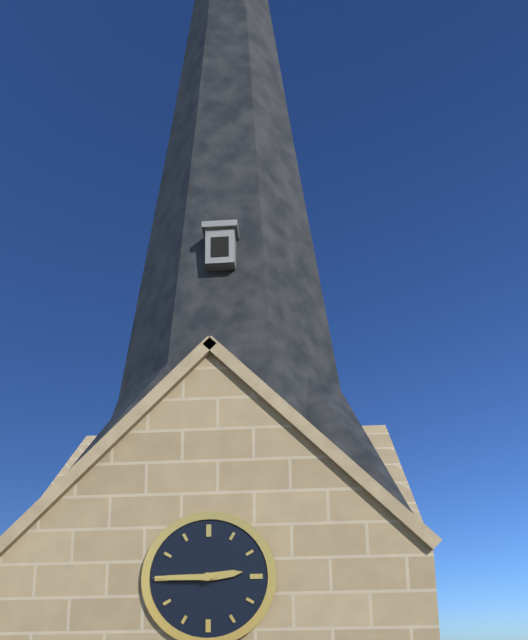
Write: 2 h 45 min
